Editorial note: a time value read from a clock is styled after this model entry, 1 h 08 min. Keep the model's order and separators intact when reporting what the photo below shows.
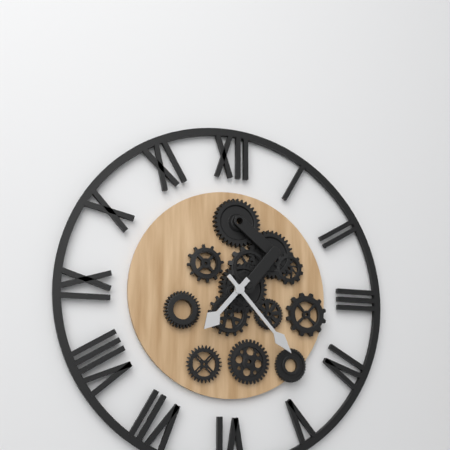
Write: 7 h 23 min
